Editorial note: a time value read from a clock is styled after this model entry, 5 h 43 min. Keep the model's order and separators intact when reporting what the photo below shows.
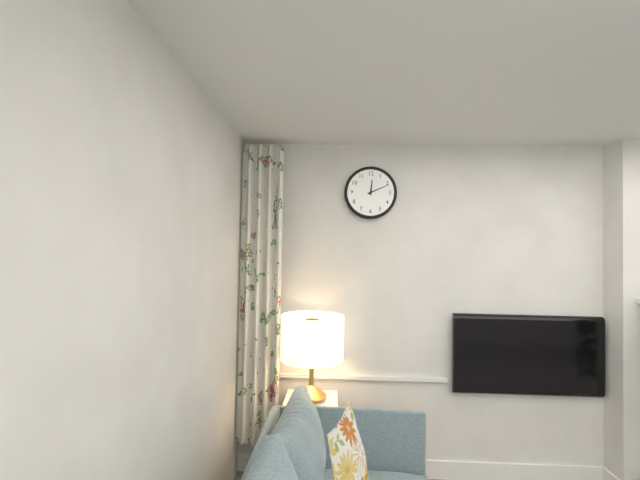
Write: 12 h 11 min
